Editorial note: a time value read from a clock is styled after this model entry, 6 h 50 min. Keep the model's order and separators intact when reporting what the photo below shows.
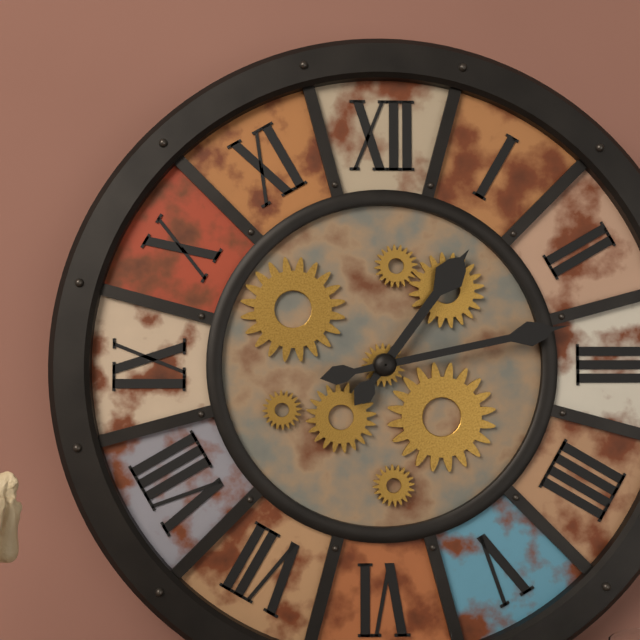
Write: 1 h 13 min
